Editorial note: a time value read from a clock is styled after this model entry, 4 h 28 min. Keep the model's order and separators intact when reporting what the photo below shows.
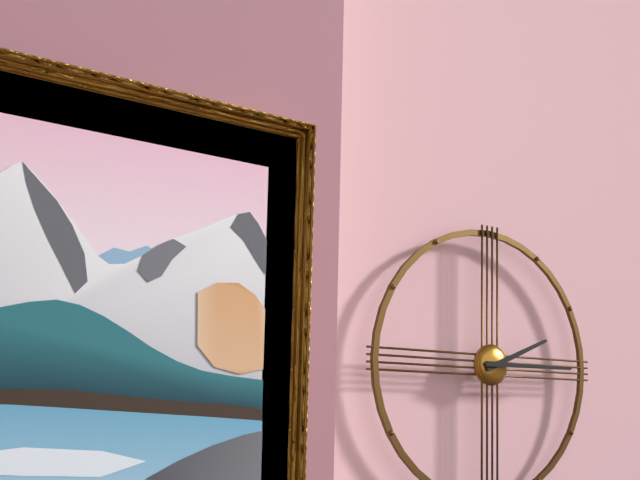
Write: 2 h 15 min
